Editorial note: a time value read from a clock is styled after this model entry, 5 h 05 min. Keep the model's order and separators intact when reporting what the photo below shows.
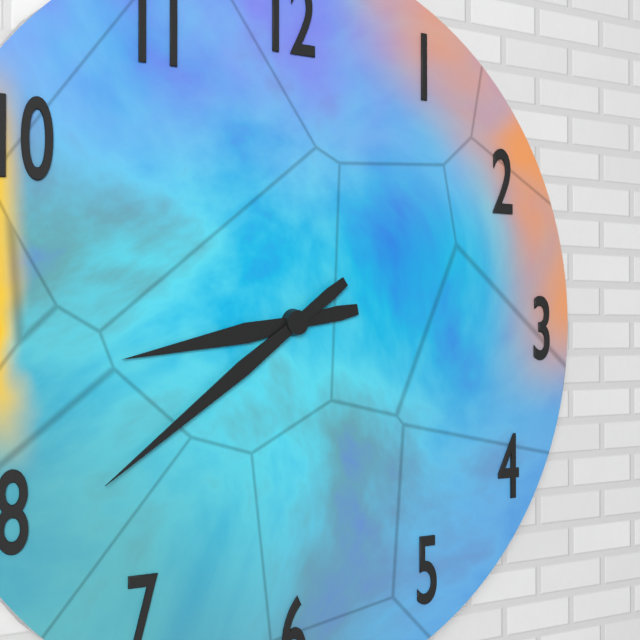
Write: 8 h 39 min
